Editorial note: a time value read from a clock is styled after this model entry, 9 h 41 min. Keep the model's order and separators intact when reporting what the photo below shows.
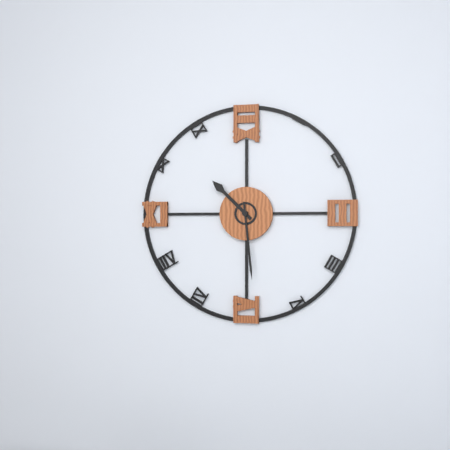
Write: 10 h 29 min
